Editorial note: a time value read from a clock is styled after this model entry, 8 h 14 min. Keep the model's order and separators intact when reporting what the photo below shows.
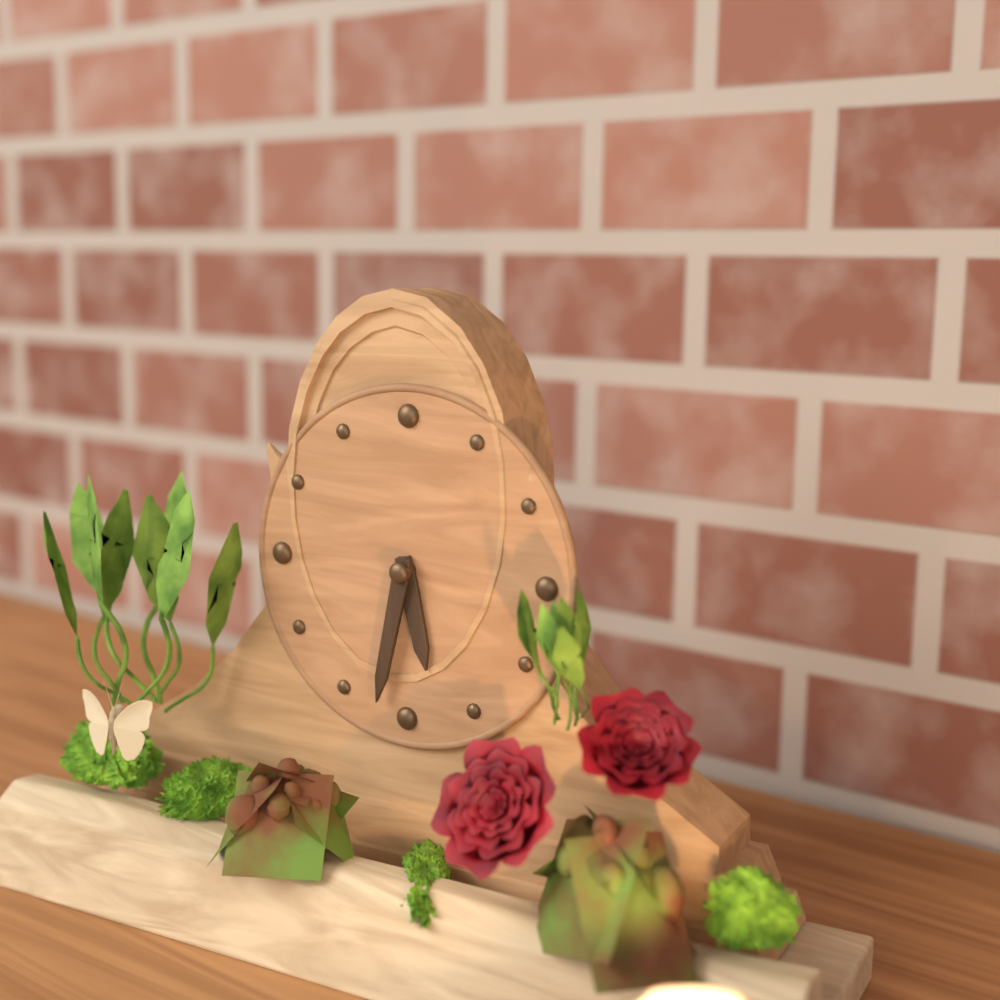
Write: 5 h 32 min
